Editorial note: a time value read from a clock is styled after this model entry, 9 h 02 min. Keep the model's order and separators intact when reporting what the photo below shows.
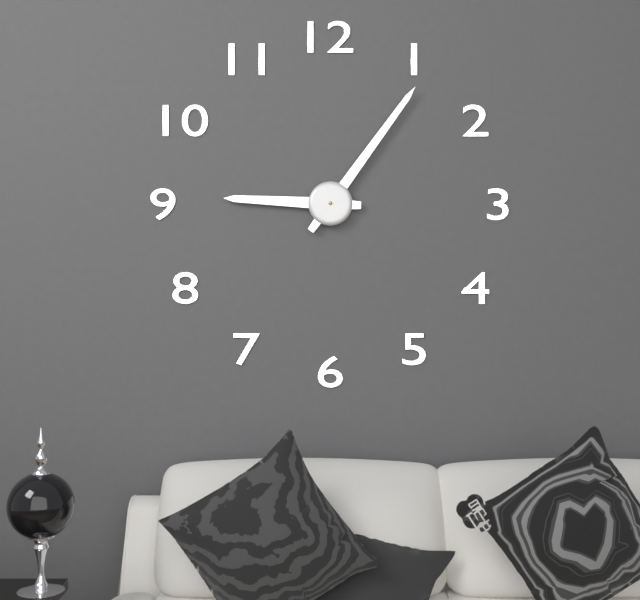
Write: 9 h 06 min
